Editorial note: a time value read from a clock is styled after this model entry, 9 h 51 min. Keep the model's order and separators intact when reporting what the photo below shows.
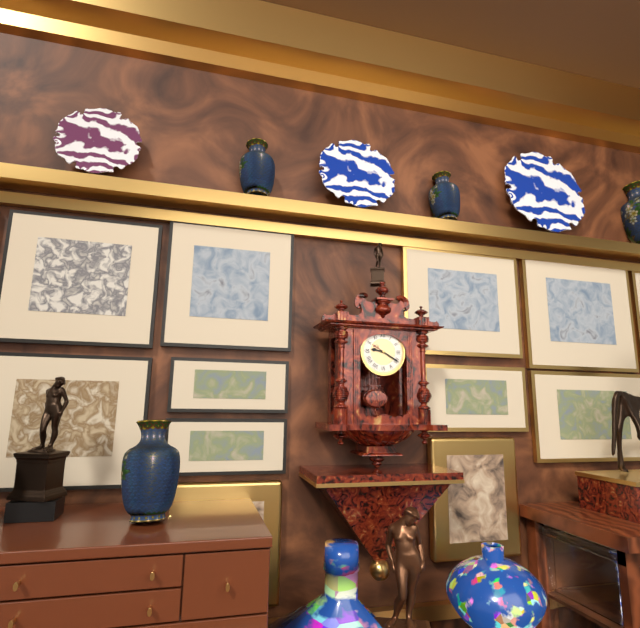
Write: 9 h 20 min
